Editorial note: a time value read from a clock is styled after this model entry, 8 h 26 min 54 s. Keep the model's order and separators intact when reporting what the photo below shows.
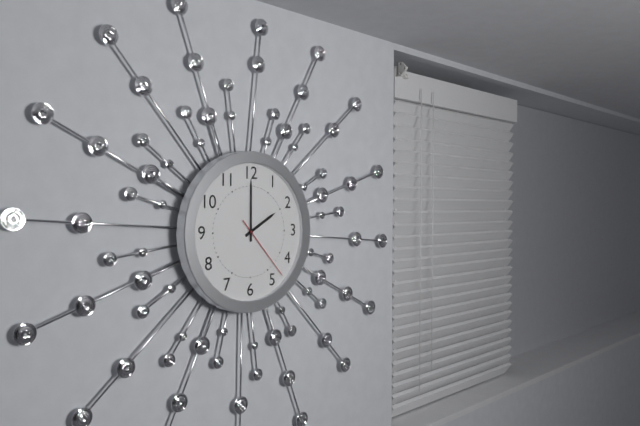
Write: 2 h 00 min 23 s
